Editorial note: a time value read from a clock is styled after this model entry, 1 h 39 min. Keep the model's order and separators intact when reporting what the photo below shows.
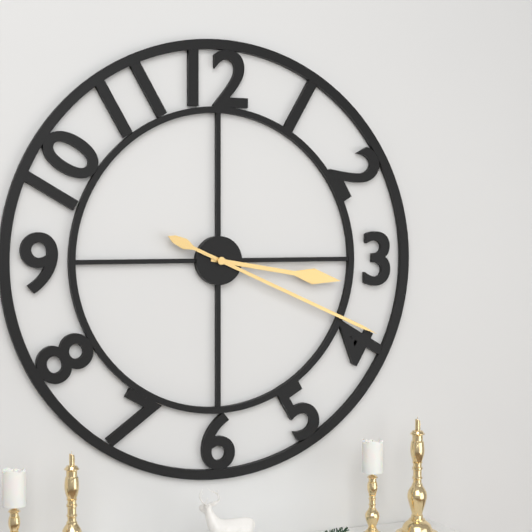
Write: 3 h 19 min
